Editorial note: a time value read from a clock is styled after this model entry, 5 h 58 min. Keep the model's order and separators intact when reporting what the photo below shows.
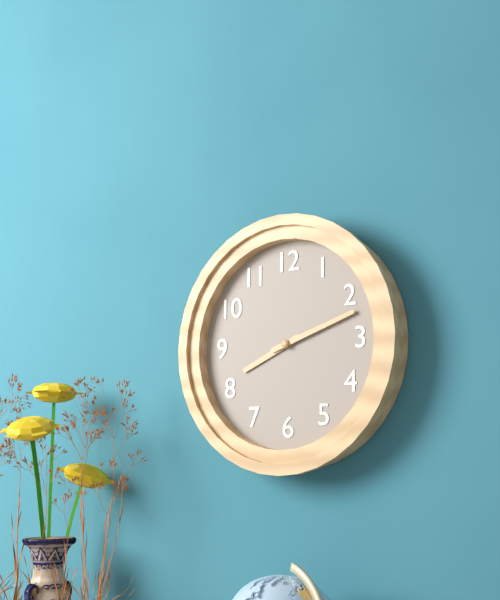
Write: 8 h 12 min
